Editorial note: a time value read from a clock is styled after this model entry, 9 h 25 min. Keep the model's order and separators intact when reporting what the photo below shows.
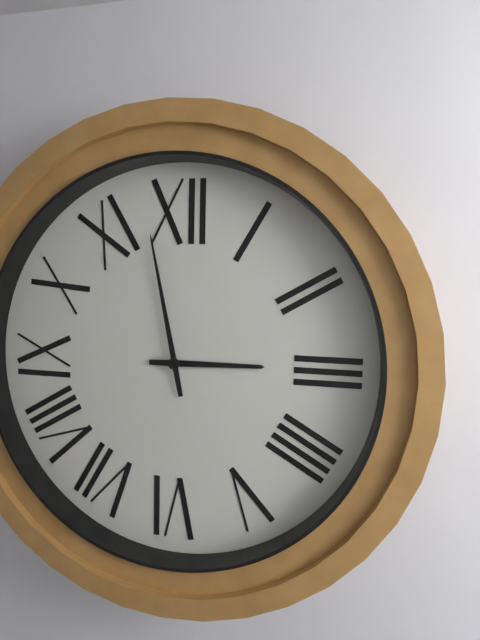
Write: 2 h 58 min
